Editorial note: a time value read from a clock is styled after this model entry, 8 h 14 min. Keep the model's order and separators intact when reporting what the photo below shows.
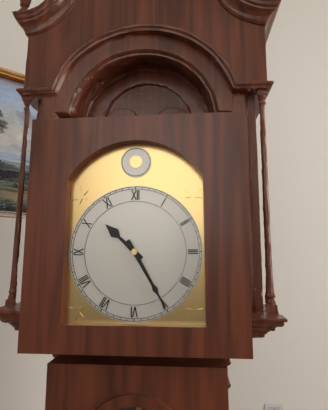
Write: 10 h 25 min
